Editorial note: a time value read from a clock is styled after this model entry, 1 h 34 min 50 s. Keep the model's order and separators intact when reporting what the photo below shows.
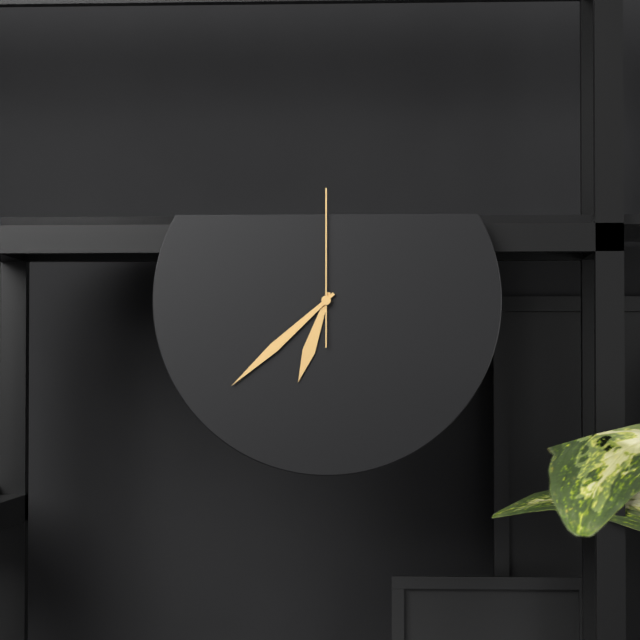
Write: 6 h 38 min 00 s
